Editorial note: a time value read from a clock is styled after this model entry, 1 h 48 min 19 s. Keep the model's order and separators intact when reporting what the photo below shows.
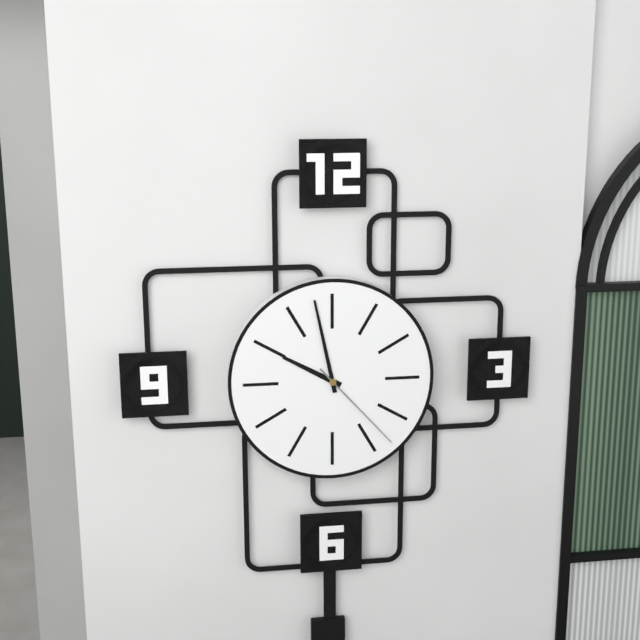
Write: 9 h 58 min 23 s
